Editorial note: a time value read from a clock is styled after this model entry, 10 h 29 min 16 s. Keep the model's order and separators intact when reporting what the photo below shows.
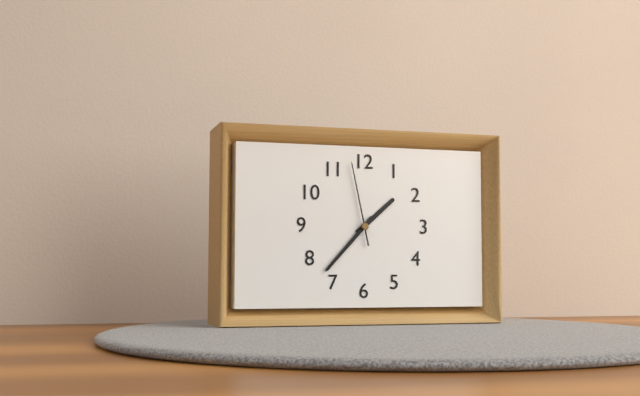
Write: 1 h 37 min 58 s
